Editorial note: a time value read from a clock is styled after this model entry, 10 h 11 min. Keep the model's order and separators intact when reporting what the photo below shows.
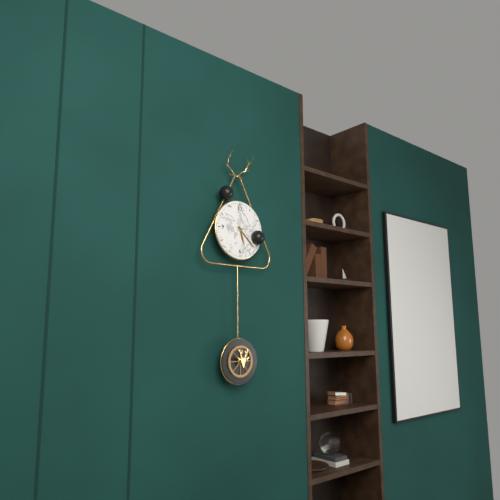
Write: 5 h 22 min
